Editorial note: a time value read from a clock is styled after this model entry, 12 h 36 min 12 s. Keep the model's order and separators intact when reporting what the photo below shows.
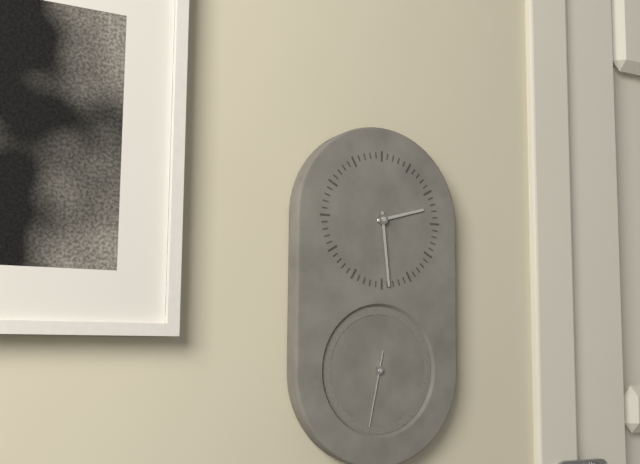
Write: 2 h 29 min 32 s
